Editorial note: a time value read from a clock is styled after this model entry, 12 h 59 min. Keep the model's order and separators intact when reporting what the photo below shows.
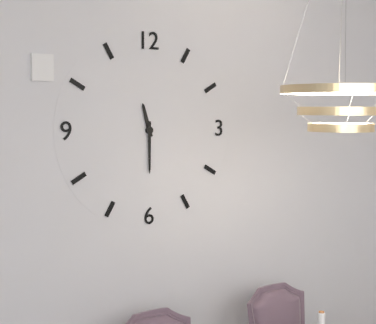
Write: 11 h 30 min
